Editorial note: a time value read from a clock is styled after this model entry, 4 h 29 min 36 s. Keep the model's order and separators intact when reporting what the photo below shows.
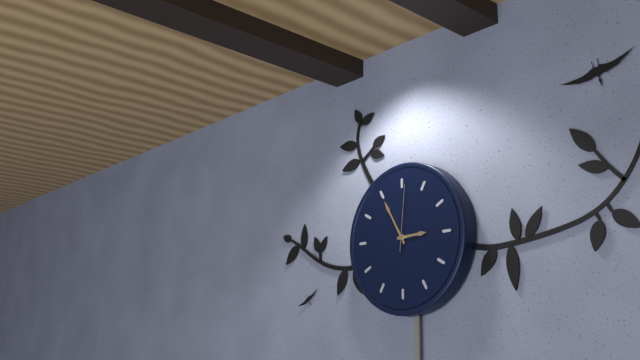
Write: 2 h 55 min 01 s
